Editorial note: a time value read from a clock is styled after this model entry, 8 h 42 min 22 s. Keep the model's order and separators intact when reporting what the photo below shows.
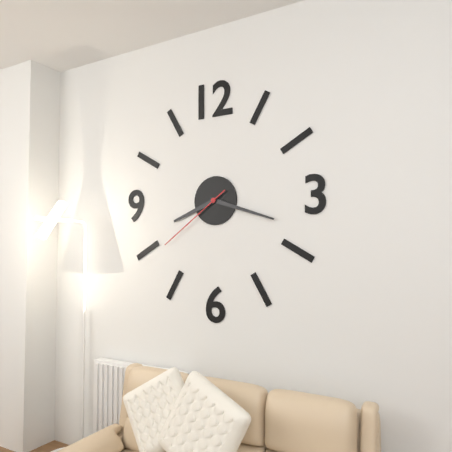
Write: 8 h 18 min 39 s
